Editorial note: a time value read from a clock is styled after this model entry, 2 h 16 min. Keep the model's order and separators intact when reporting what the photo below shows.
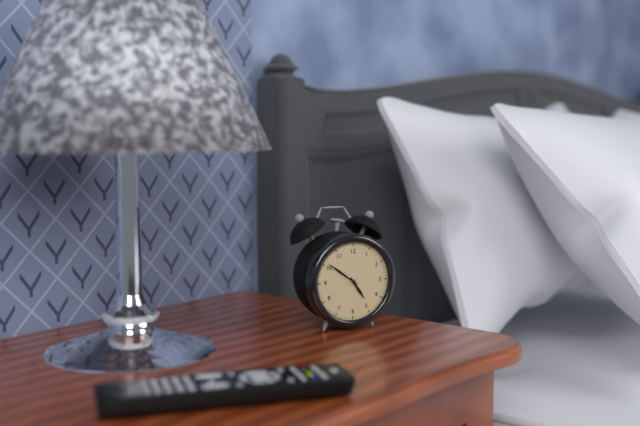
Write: 4 h 51 min
